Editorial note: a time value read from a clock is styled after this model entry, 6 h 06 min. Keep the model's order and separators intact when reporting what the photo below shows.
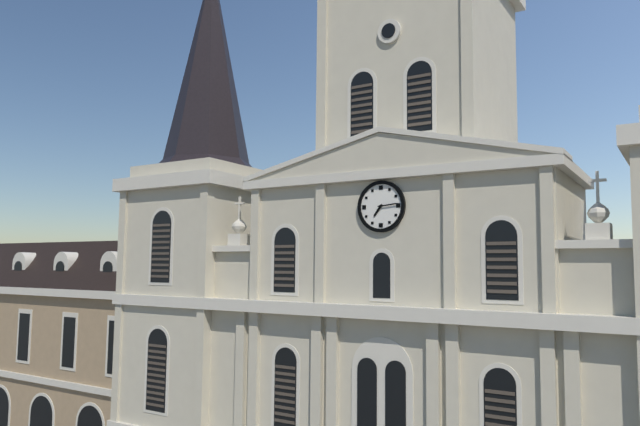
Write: 7 h 14 min
